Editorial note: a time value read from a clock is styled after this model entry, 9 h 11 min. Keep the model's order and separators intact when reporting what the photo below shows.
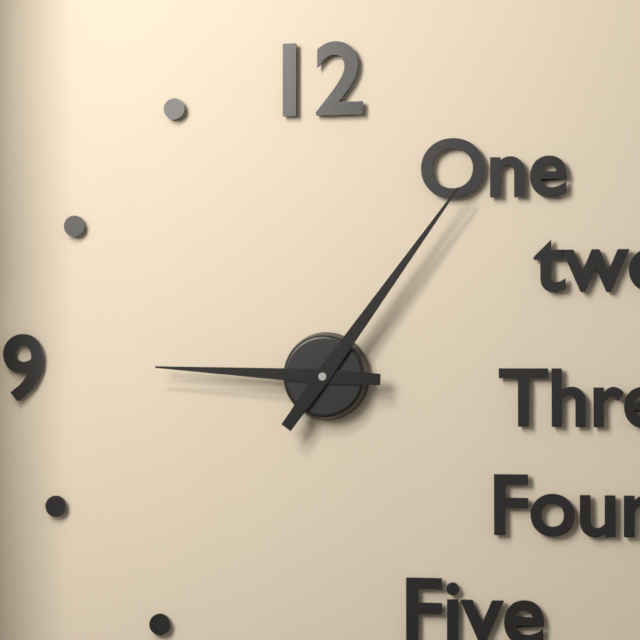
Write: 9 h 06 min
